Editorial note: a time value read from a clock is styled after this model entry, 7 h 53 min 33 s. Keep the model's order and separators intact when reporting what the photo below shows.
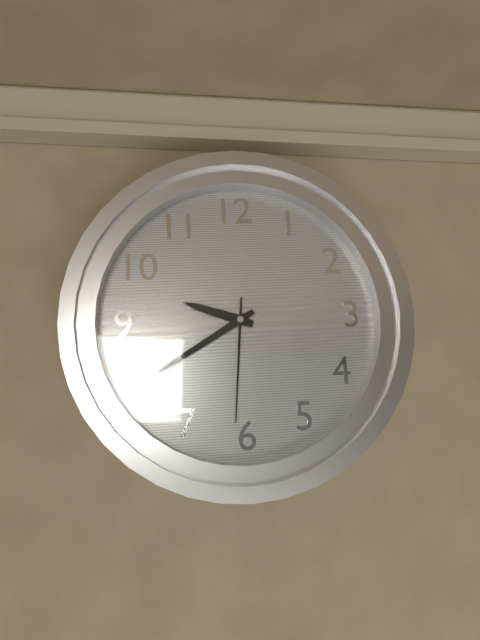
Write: 9 h 40 min 31 s
